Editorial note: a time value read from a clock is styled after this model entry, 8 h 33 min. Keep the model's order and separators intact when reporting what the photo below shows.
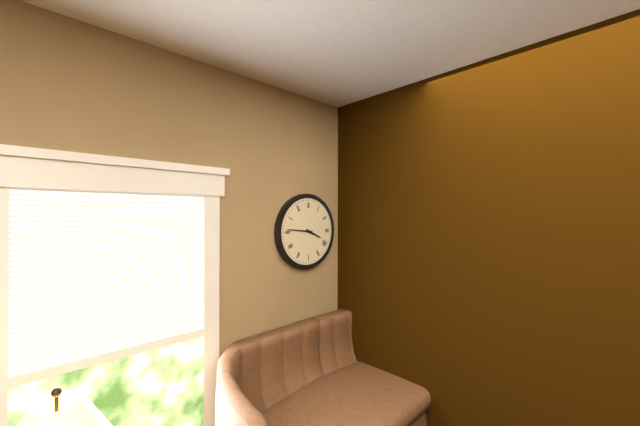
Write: 3 h 46 min
